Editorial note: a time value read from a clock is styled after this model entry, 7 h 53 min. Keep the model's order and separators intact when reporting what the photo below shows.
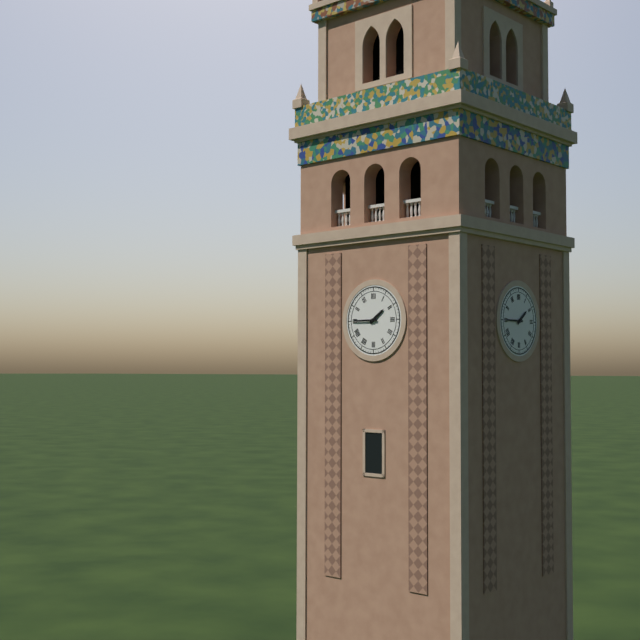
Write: 1 h 45 min
